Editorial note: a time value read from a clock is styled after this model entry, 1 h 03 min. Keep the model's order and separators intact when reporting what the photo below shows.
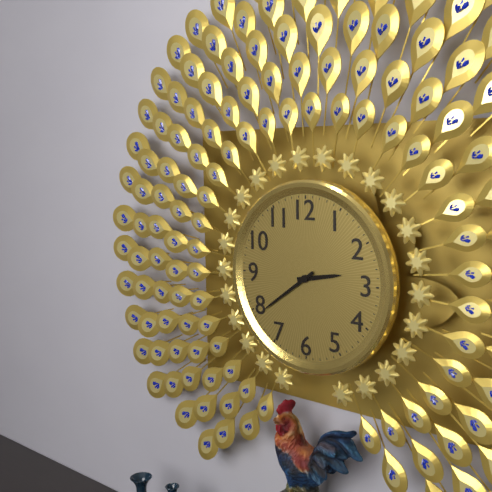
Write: 2 h 39 min
